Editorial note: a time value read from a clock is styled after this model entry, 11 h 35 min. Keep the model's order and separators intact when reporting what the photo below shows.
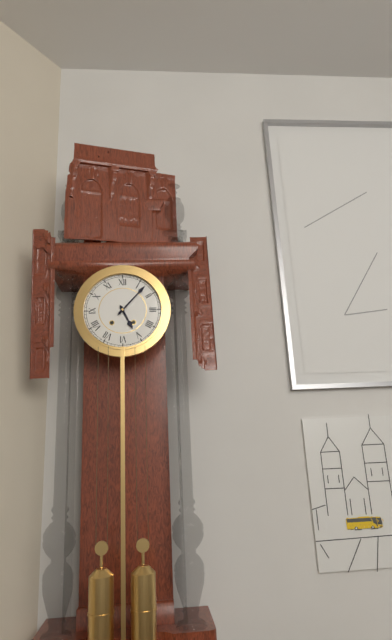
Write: 5 h 07 min
